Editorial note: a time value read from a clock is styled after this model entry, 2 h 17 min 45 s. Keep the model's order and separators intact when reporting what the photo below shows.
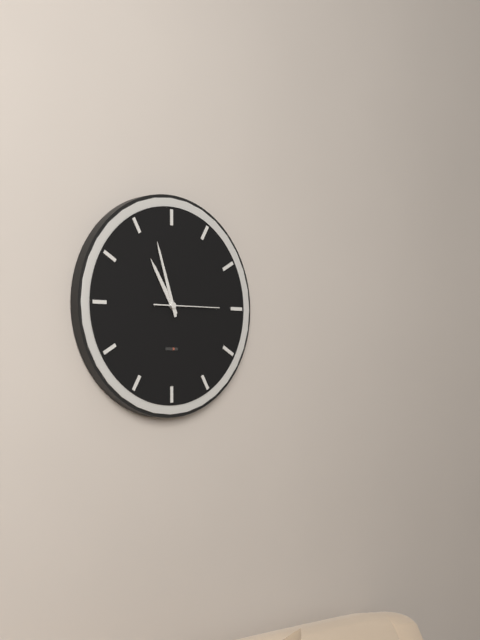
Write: 10 h 57 min 15 s
